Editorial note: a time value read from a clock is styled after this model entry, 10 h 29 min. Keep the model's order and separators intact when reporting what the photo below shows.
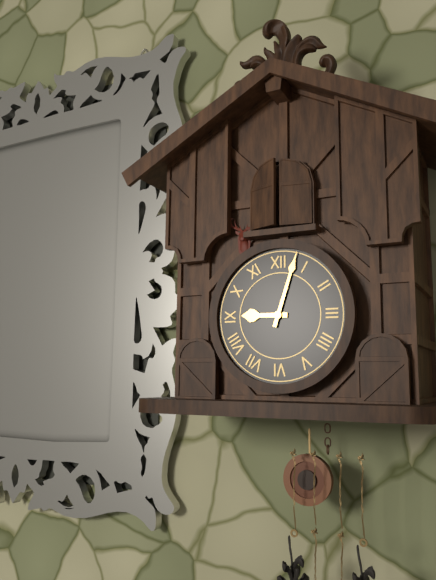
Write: 9 h 03 min
